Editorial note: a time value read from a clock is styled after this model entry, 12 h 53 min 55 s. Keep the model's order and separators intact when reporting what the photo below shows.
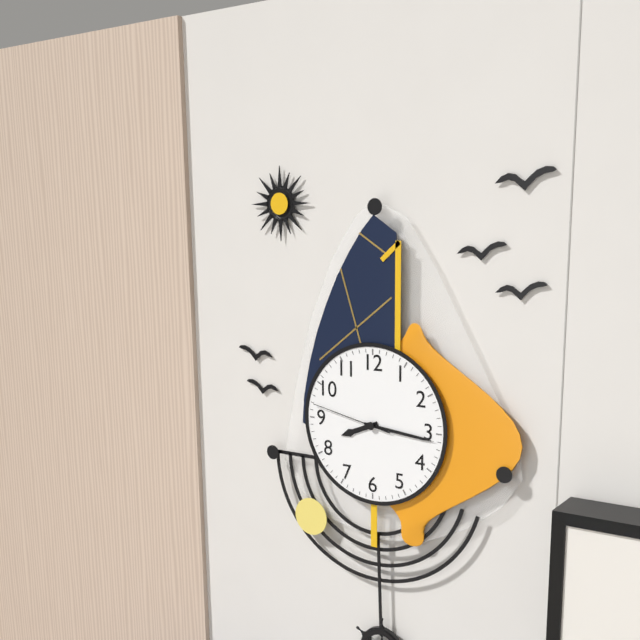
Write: 8 h 16 min 47 s
